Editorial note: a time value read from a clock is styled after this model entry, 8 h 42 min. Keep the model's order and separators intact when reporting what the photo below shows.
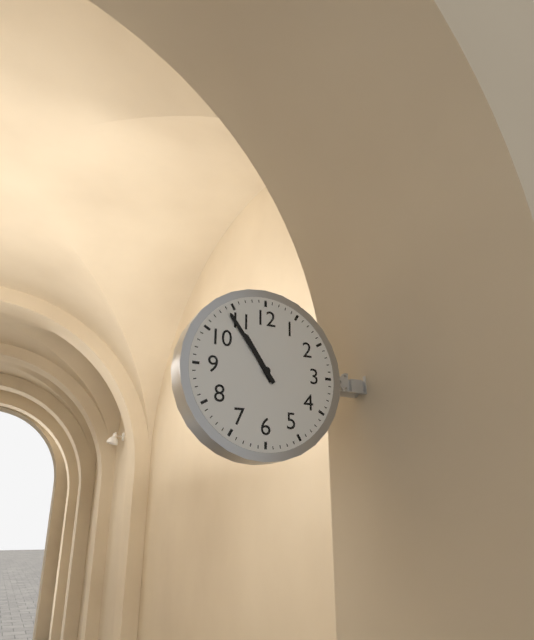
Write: 10 h 54 min
